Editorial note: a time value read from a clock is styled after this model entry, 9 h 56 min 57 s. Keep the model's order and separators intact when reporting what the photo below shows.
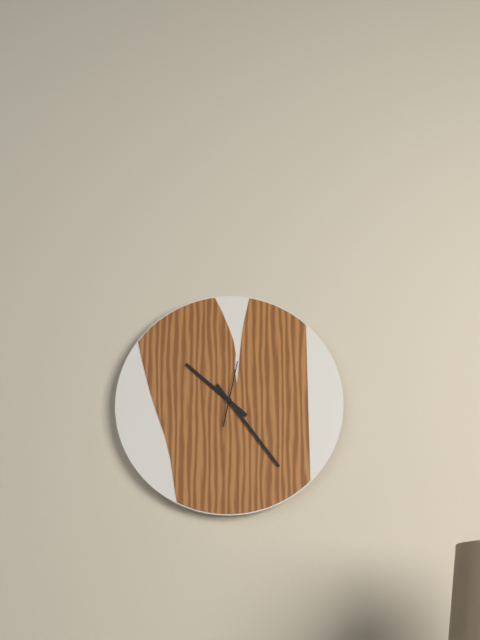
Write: 10 h 24 min 02 s
